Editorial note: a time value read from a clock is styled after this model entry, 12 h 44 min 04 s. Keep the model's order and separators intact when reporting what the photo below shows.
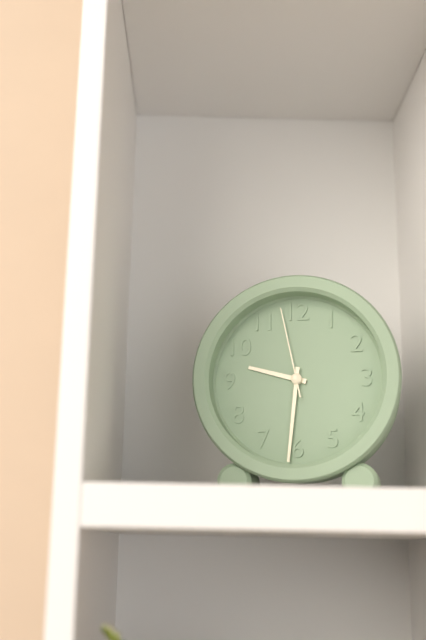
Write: 9 h 31 min 58 s
